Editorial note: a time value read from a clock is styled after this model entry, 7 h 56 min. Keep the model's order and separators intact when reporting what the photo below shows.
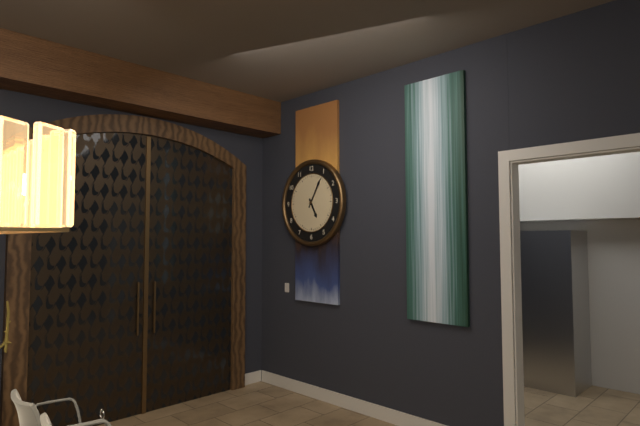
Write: 5 h 05 min
